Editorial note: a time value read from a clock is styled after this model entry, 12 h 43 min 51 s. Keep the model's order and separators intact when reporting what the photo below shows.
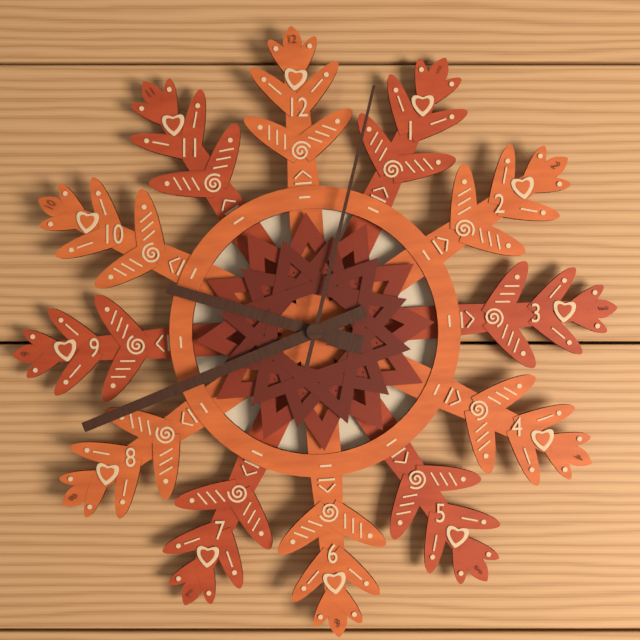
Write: 9 h 42 min 03 s
